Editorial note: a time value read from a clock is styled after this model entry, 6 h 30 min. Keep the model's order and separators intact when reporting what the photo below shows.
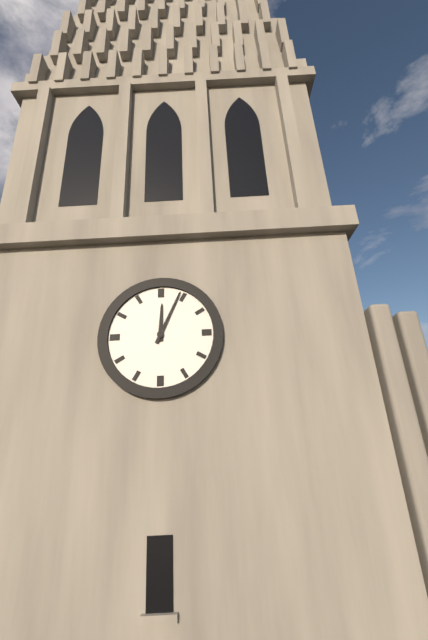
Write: 12 h 04 min
